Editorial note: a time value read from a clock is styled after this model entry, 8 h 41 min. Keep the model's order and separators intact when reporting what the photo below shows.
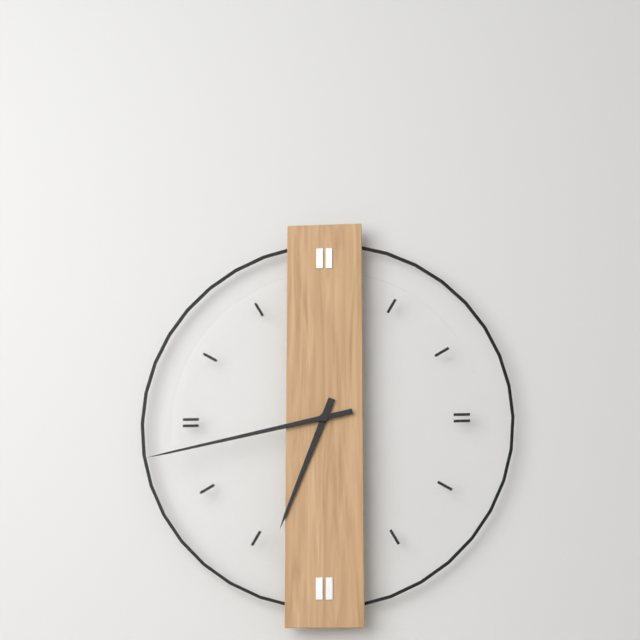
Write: 6 h 43 min
